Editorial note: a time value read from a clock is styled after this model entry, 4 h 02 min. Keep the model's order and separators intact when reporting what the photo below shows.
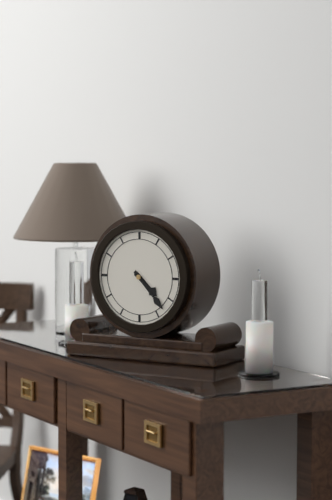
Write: 4 h 23 min
